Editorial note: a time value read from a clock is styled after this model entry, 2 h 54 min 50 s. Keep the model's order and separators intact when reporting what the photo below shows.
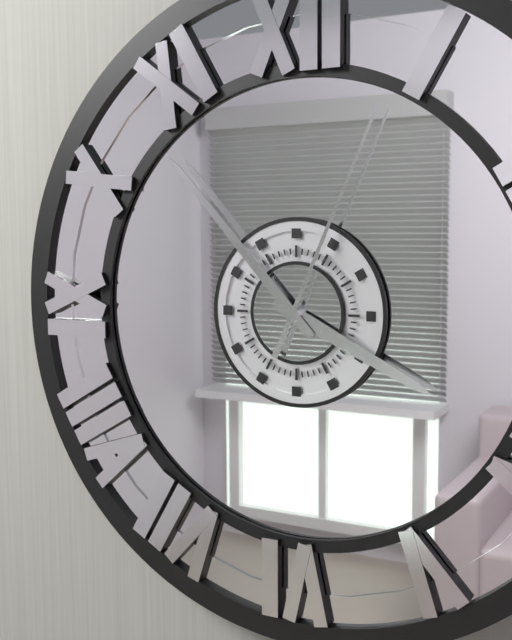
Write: 3 h 53 min 04 s
